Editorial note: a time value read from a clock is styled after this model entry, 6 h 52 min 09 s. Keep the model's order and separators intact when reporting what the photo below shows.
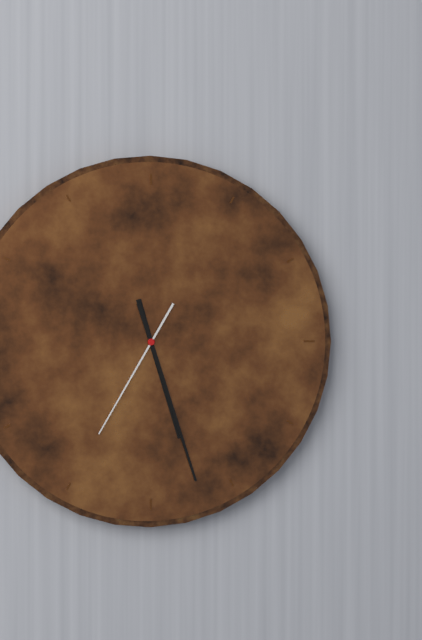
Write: 5 h 27 min 35 s
